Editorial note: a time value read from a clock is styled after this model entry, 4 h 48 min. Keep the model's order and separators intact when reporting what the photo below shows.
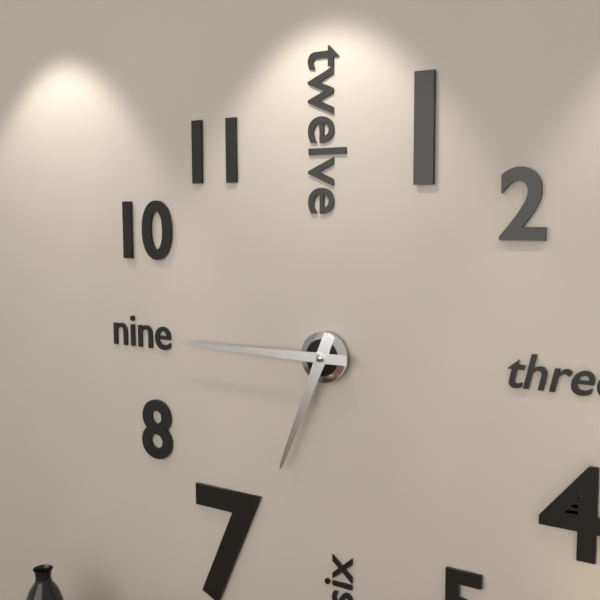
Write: 6 h 45 min
